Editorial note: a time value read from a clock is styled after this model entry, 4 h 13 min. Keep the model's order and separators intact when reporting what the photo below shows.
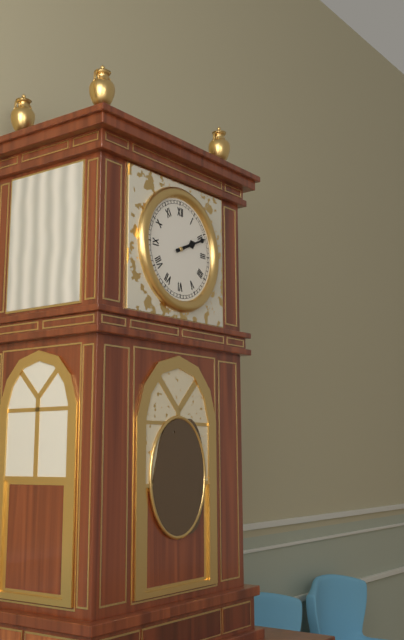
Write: 2 h 11 min
